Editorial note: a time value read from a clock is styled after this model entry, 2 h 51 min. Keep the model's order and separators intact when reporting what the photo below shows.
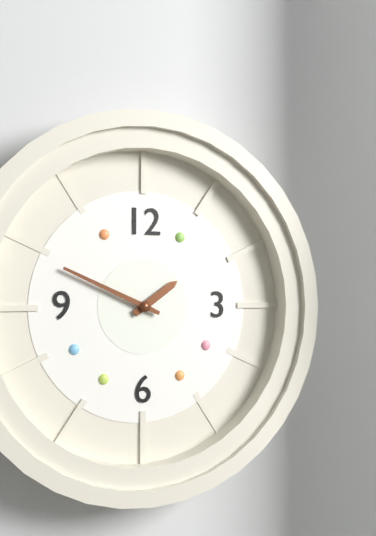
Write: 1 h 49 min
